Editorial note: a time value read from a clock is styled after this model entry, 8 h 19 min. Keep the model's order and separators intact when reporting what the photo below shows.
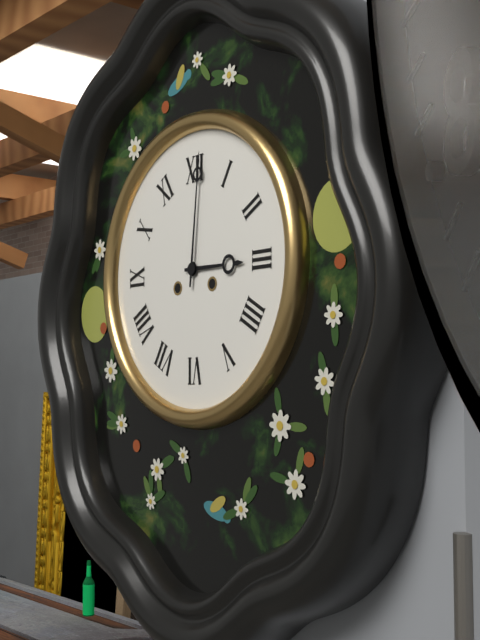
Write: 3 h 01 min
